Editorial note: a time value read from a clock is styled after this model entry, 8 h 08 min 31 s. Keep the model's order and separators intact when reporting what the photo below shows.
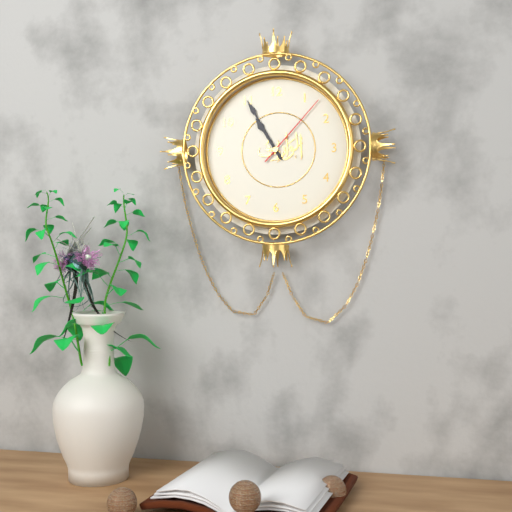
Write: 10 h 55 min 07 s
